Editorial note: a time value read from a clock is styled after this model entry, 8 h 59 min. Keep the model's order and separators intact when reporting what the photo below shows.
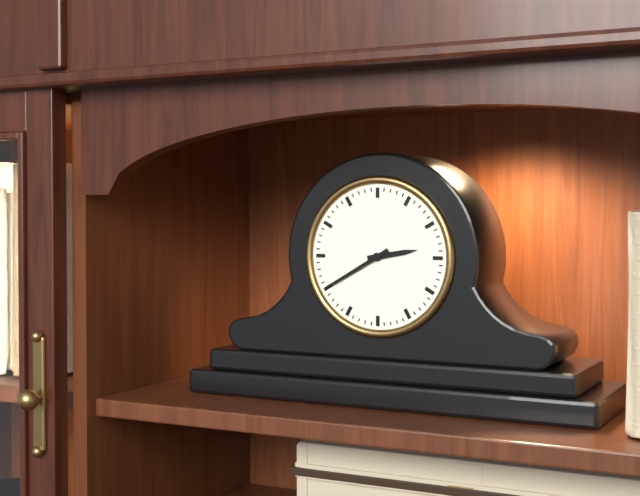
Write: 2 h 40 min
